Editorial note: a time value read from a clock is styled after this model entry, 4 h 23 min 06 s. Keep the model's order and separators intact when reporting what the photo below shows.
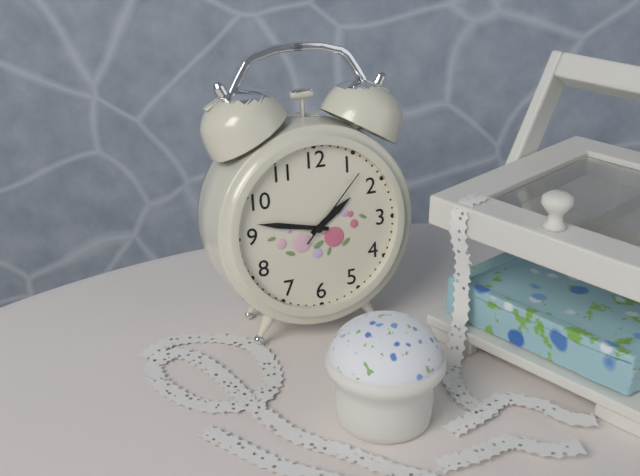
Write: 1 h 47 min 07 s
